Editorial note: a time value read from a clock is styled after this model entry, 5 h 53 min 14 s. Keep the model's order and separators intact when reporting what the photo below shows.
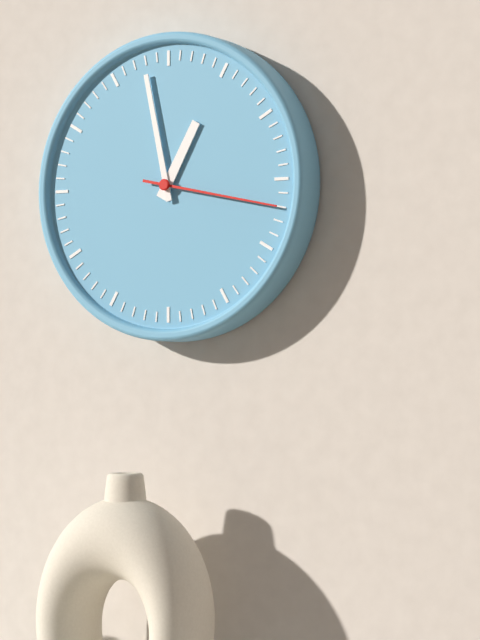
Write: 12 h 58 min 17 s
